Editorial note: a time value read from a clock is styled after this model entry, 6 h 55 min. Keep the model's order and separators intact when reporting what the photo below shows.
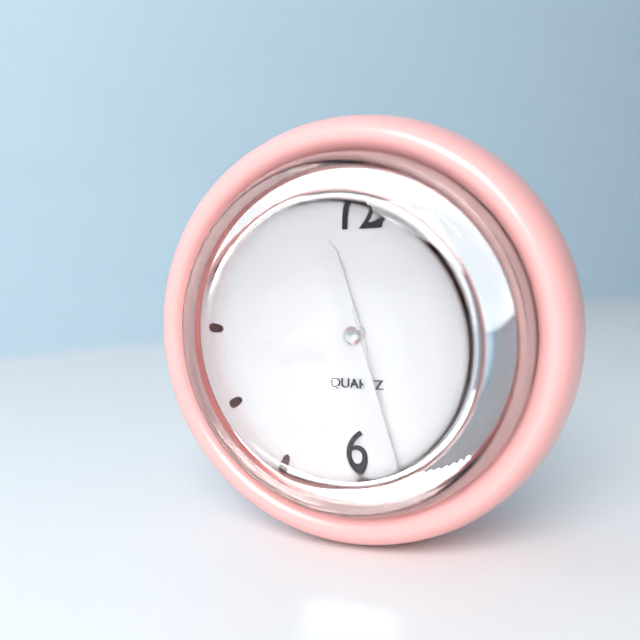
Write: 11 h 27 min
